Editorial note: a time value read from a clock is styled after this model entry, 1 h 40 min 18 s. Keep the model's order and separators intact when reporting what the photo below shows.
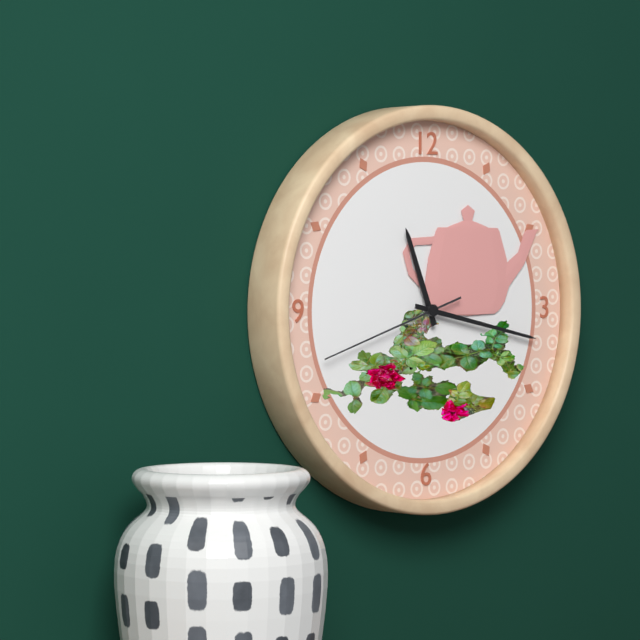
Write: 11 h 17 min 42 s
